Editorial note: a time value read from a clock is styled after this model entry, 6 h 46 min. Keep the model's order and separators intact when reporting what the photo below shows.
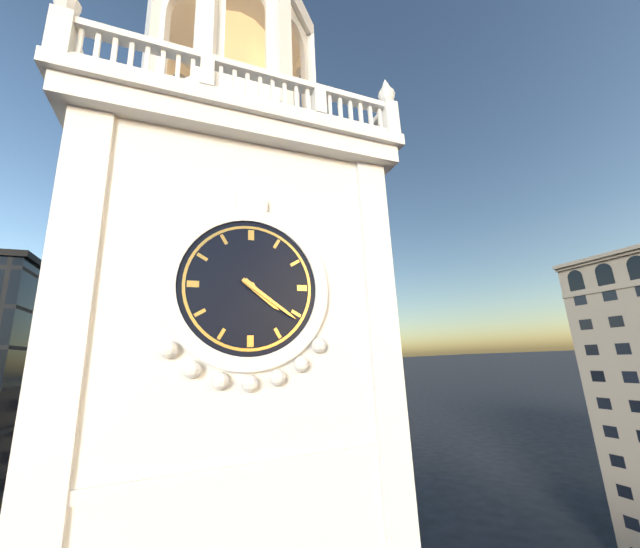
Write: 4 h 21 min
